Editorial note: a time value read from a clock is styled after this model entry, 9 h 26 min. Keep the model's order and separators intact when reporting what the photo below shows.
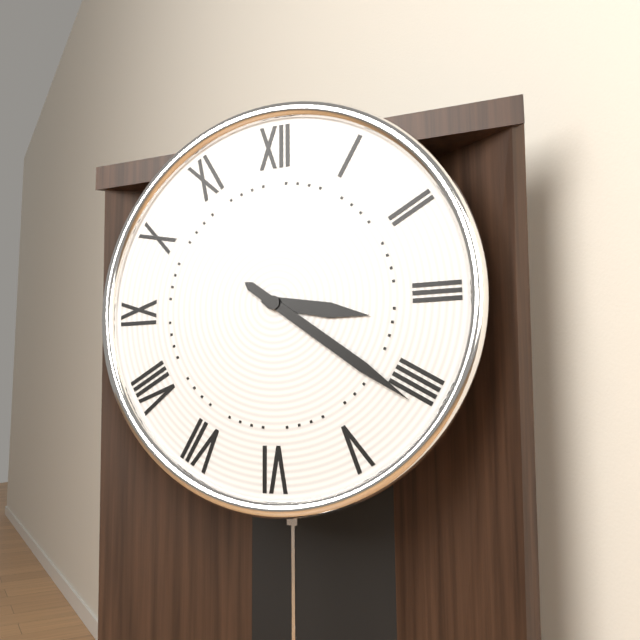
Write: 3 h 21 min
